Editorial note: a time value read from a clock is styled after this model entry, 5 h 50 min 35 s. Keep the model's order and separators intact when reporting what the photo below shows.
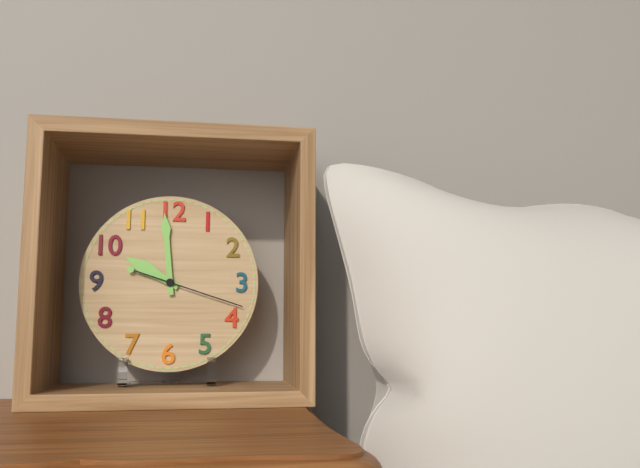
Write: 9 h 59 min 18 s
